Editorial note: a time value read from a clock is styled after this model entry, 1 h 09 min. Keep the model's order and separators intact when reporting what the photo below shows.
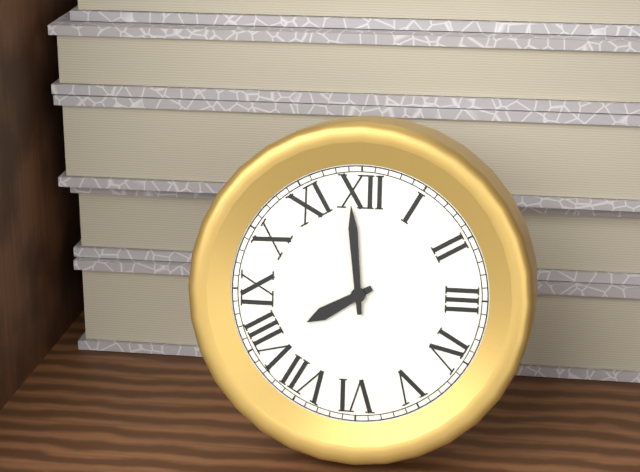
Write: 7 h 59 min
